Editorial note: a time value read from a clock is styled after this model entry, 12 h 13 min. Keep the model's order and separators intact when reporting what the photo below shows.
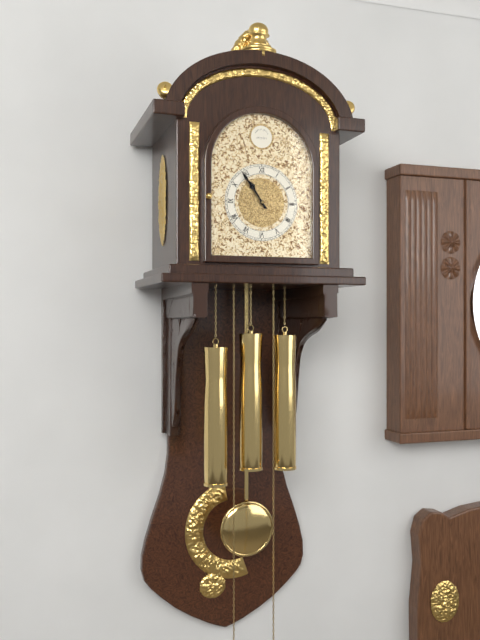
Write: 10 h 54 min
